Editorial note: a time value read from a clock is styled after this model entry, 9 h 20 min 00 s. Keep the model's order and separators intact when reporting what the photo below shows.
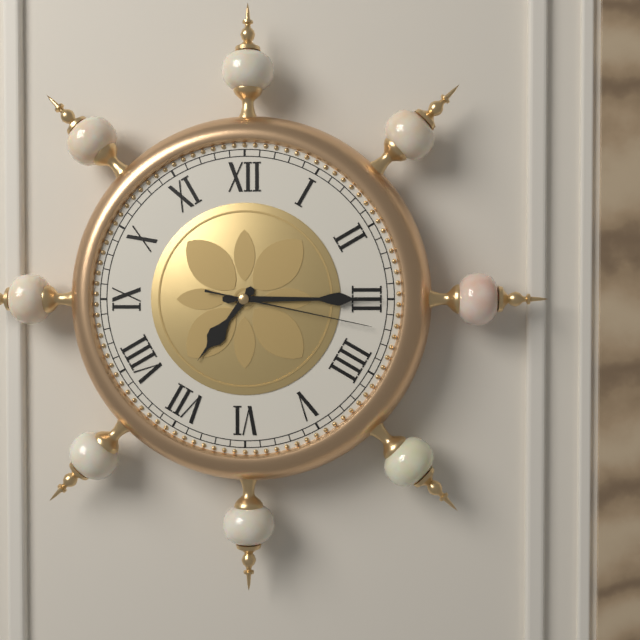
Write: 7 h 15 min 17 s
